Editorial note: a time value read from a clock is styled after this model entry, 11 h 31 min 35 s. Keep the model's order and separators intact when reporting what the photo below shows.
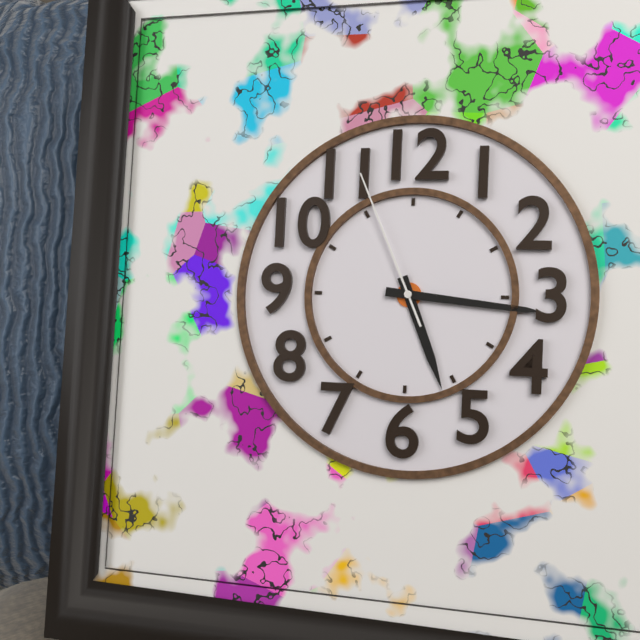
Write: 5 h 16 min 56 s
